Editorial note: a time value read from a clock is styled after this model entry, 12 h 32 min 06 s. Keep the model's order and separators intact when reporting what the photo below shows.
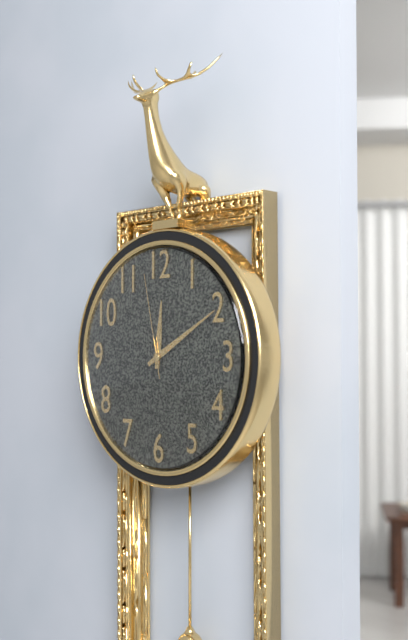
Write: 12 h 10 min 58 s
